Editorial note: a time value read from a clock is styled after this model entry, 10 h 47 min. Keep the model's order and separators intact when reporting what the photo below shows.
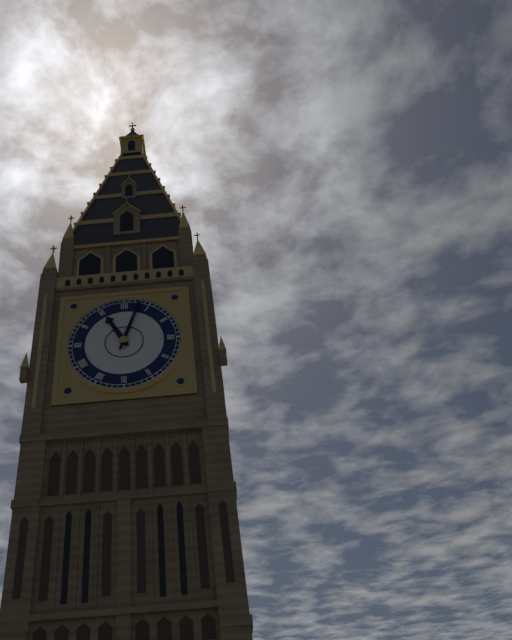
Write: 11 h 03 min
